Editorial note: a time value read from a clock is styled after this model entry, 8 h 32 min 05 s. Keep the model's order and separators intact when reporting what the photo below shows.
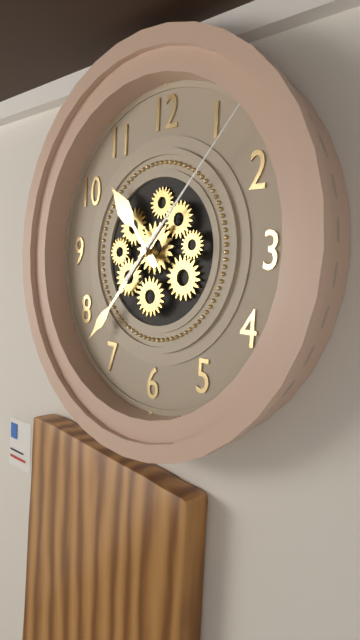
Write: 10 h 37 min 07 s
